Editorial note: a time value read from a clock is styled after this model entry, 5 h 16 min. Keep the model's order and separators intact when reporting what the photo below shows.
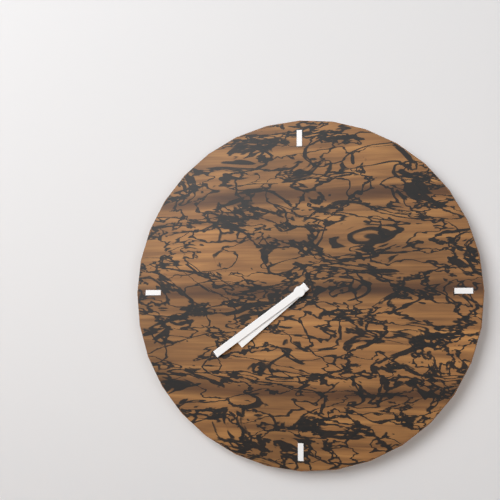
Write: 7 h 39 min
